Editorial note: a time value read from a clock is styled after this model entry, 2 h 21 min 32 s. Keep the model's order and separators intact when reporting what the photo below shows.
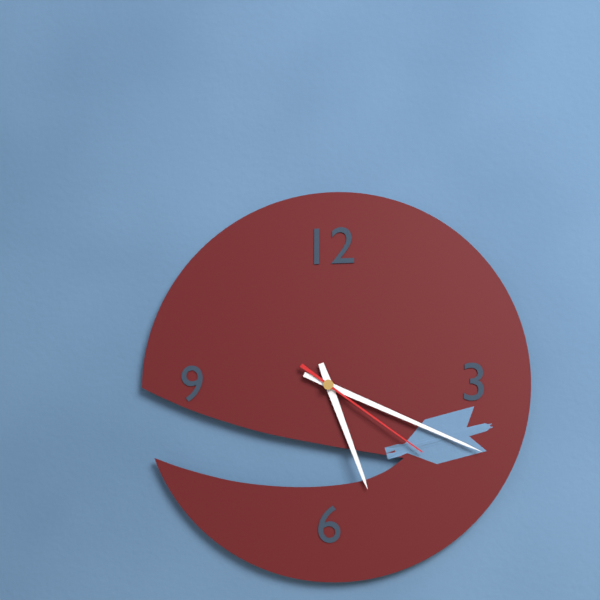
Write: 5 h 19 min 21 s
